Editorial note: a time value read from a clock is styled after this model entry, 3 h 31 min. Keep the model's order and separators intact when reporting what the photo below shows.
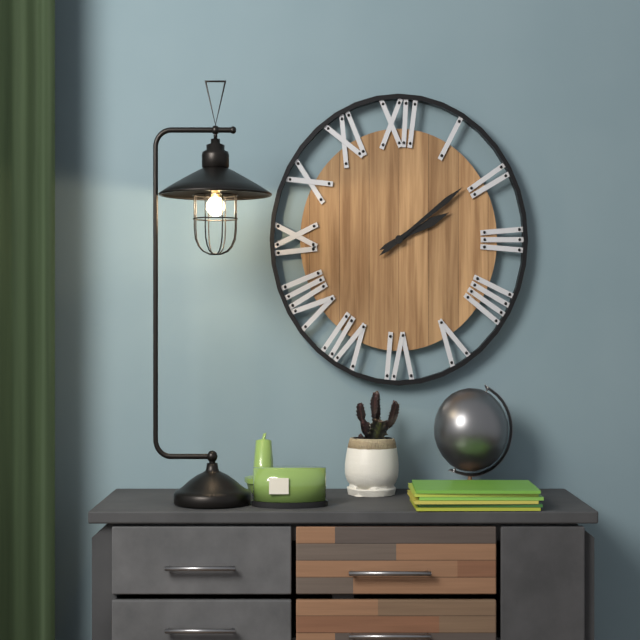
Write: 2 h 09 min
